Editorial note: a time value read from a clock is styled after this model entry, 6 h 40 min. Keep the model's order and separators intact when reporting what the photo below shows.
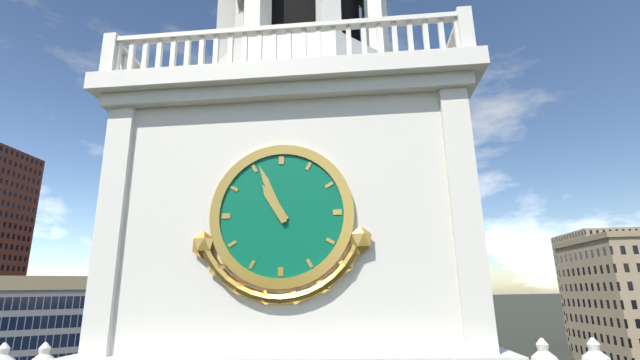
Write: 10 h 56 min
